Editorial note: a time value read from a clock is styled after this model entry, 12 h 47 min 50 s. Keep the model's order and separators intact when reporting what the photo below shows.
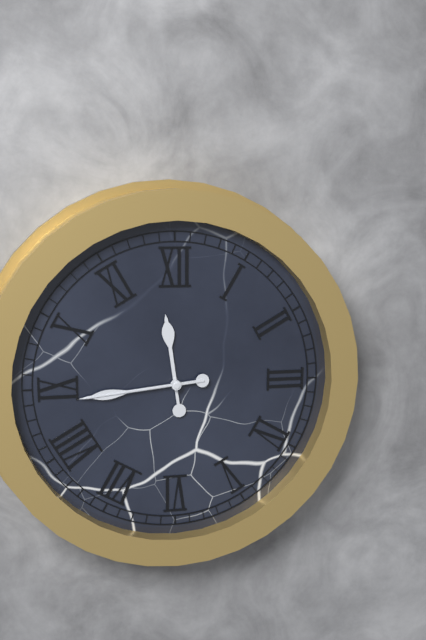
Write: 11 h 44 min 44 s
